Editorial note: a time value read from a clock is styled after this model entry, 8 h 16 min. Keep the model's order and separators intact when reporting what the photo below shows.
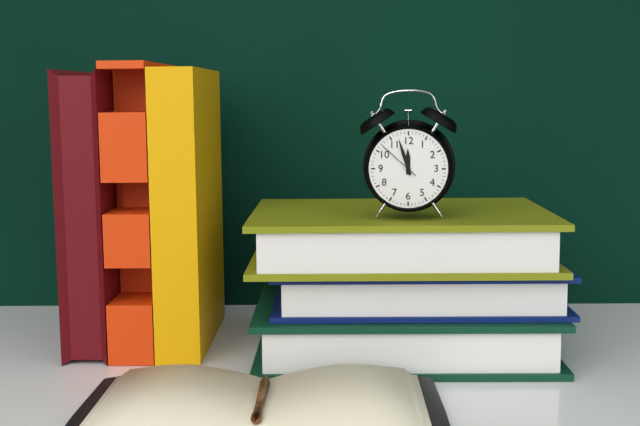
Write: 11 h 57 min
